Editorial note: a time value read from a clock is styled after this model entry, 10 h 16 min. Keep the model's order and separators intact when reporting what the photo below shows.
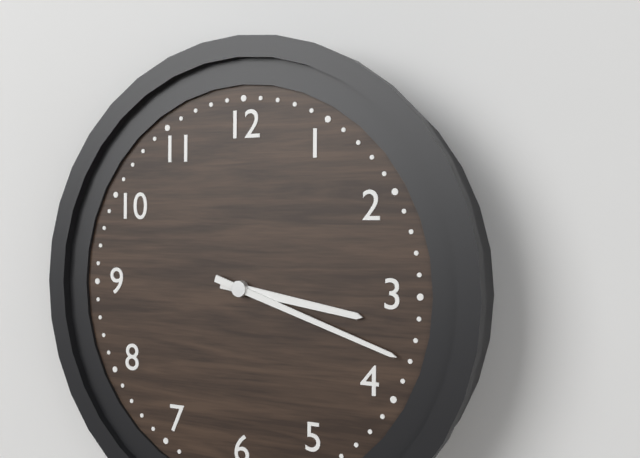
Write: 3 h 18 min
